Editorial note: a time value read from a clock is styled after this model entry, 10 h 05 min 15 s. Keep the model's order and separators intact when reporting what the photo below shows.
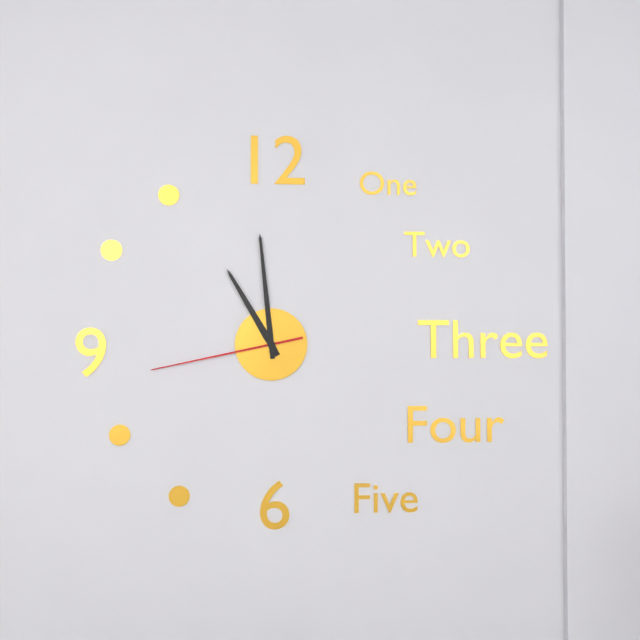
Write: 10 h 59 min 43 s
